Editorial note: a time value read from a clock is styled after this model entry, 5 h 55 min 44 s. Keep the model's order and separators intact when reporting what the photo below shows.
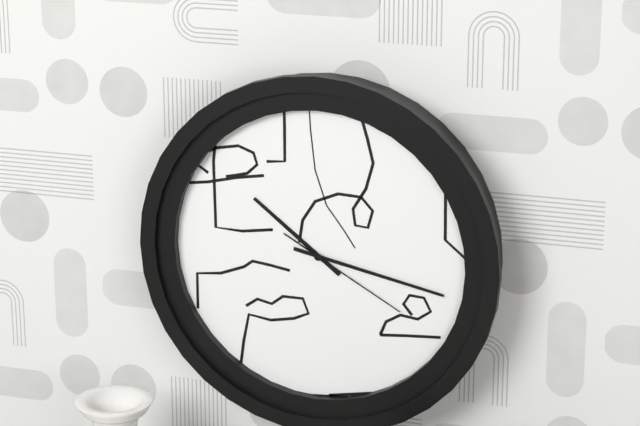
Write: 10 h 17 min 20 s
